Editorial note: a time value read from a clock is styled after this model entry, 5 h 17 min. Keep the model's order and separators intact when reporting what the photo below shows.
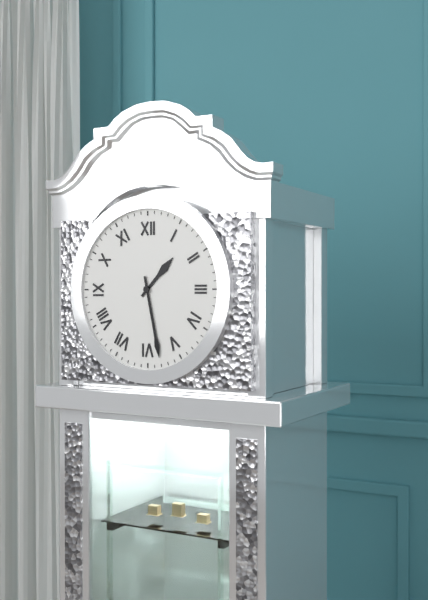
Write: 1 h 28 min
